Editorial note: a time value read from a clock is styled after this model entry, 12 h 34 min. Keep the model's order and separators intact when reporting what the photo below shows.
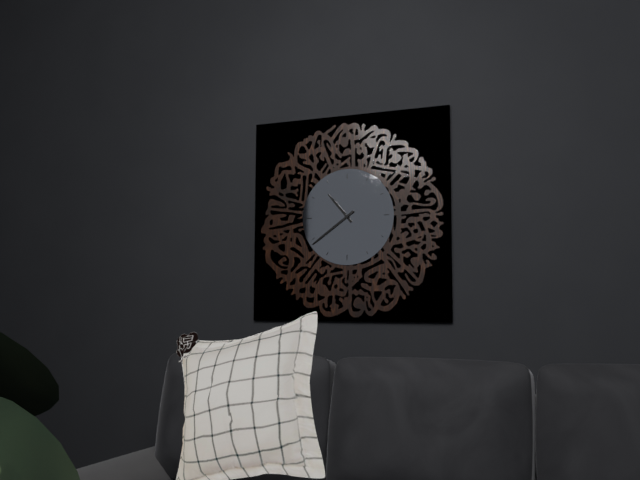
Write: 10 h 39 min
